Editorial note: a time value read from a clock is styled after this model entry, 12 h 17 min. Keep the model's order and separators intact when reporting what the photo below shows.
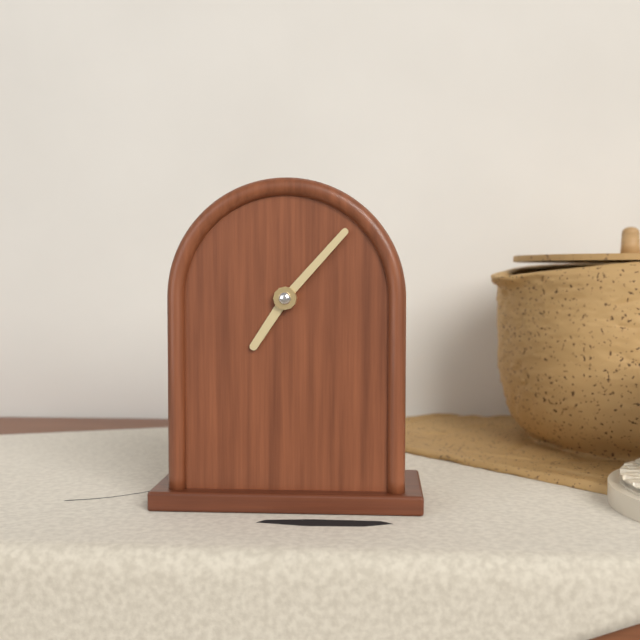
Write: 7 h 07 min
